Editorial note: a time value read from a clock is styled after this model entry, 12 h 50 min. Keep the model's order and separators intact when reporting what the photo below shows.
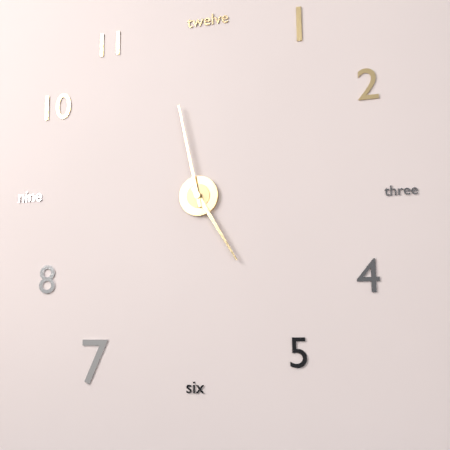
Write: 4 h 58 min
